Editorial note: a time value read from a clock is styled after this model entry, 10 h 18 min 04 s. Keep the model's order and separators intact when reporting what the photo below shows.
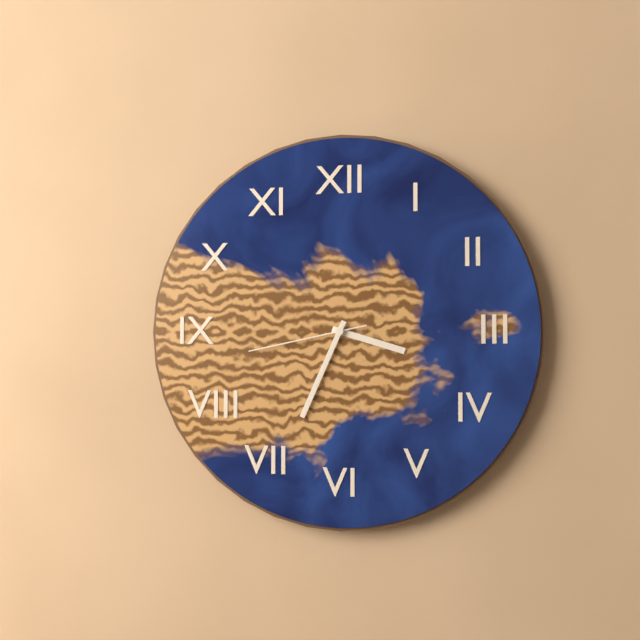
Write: 3 h 34 min 43 s
